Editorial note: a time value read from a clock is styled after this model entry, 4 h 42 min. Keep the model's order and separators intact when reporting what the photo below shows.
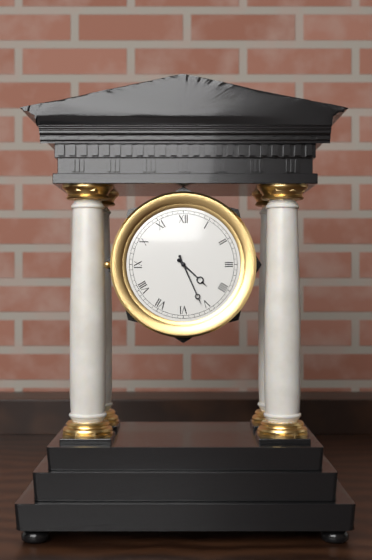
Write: 4 h 26 min
